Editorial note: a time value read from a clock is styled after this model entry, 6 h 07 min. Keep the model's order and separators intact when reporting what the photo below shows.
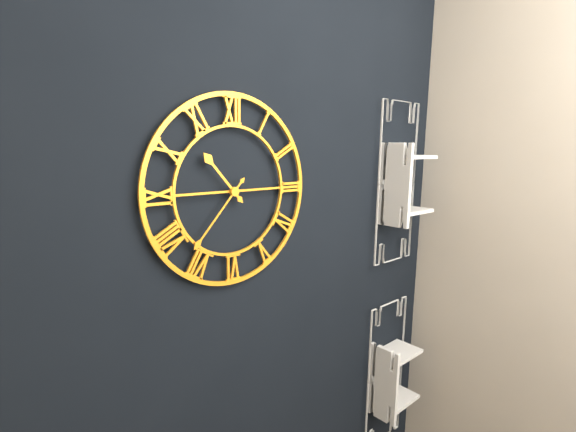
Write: 10 h 37 min
